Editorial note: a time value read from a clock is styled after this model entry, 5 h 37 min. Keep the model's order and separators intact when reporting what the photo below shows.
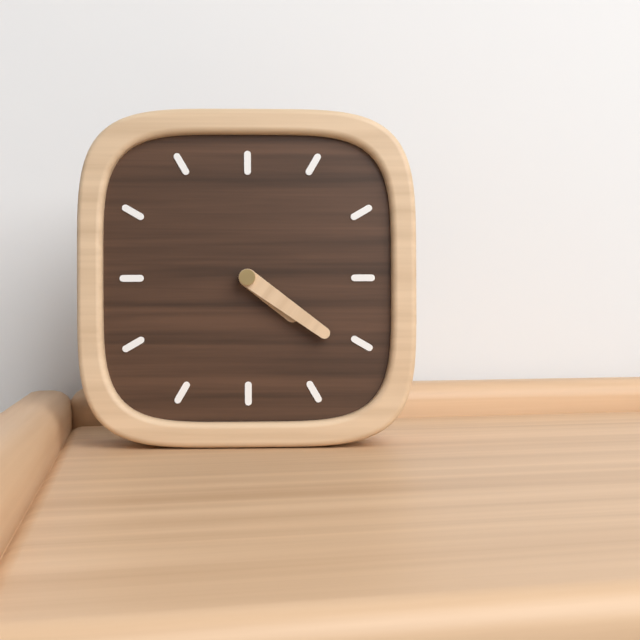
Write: 4 h 21 min
